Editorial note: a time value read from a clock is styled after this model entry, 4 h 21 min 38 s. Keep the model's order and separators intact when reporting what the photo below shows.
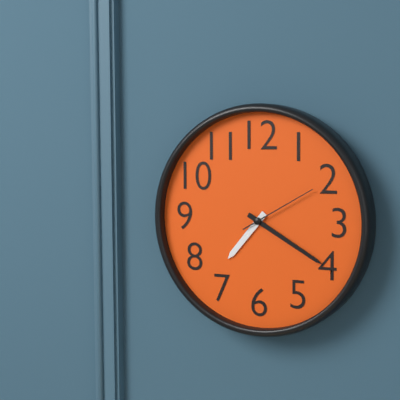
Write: 7 h 20 min 10 s
